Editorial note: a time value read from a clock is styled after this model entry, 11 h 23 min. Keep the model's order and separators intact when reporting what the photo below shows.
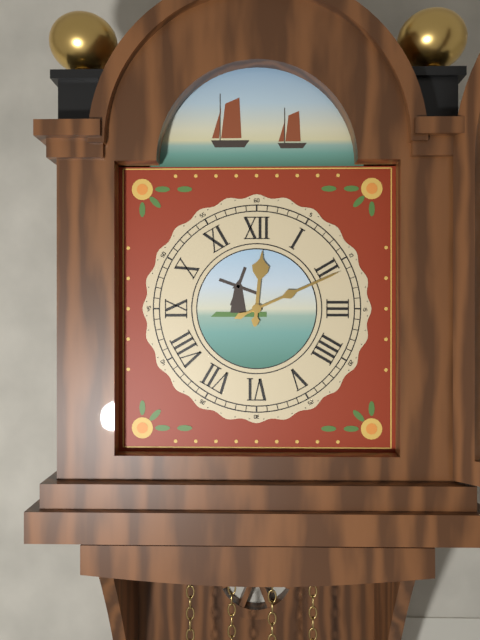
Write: 12 h 11 min
